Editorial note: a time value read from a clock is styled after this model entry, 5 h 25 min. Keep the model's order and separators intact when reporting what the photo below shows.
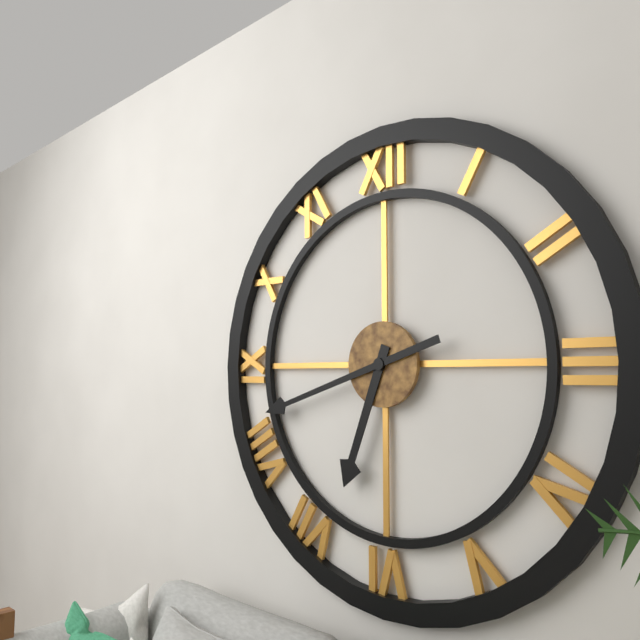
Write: 6 h 42 min
